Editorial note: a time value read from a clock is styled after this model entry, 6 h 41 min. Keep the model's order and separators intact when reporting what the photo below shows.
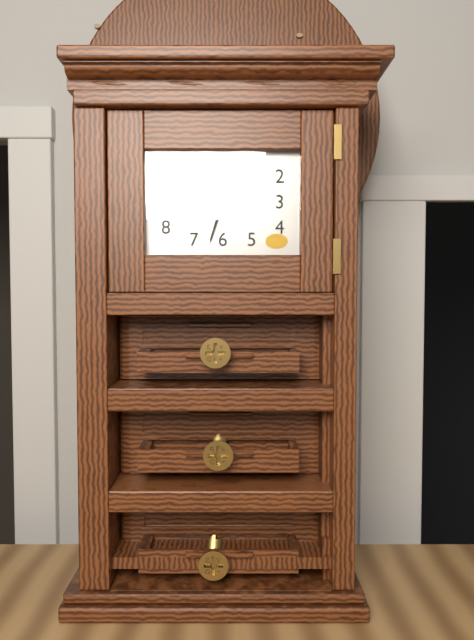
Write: 11 h 33 min
